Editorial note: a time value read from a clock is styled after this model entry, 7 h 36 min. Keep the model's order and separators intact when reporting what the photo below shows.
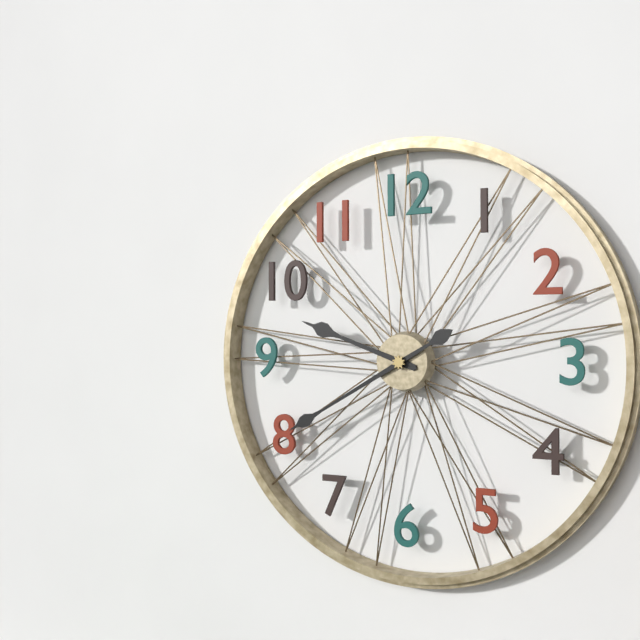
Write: 9 h 40 min
